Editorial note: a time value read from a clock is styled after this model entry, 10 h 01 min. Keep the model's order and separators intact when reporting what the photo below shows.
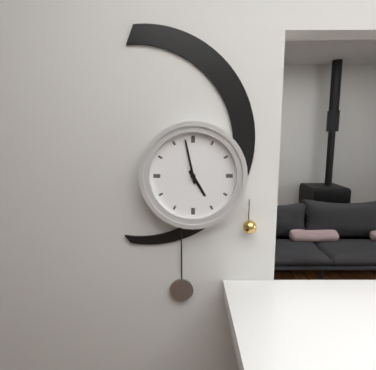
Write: 4 h 58 min
